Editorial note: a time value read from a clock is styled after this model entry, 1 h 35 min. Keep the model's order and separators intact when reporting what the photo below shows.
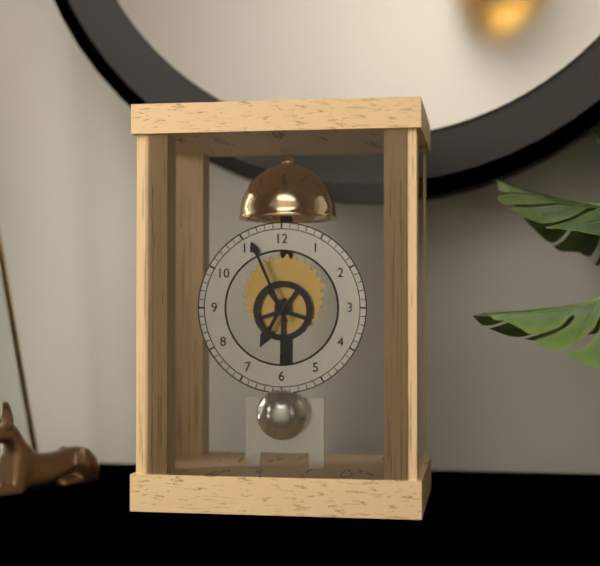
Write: 6 h 56 min
